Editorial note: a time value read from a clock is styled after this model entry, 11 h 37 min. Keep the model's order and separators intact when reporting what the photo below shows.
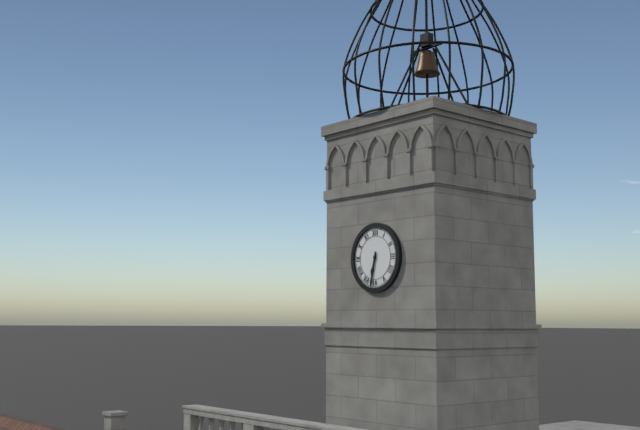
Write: 6 h 32 min
